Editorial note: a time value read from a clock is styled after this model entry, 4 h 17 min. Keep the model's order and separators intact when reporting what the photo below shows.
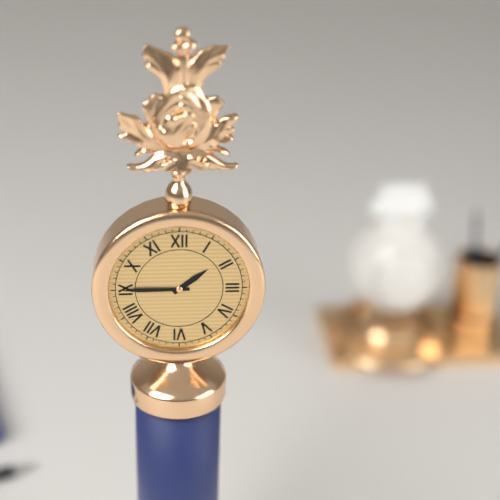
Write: 1 h 45 min
